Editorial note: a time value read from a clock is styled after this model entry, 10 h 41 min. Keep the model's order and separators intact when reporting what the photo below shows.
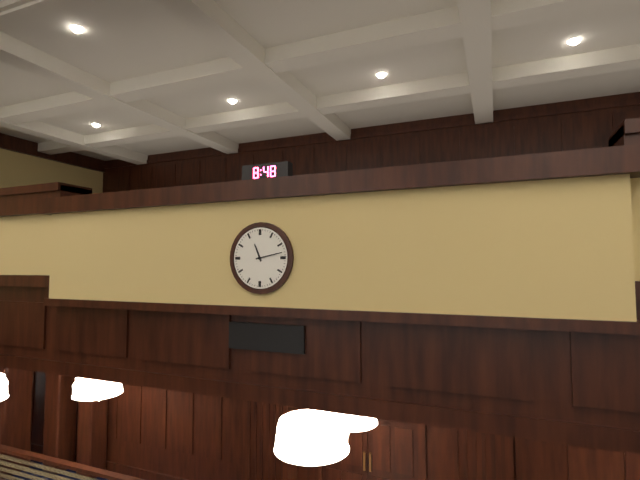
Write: 11 h 13 min
